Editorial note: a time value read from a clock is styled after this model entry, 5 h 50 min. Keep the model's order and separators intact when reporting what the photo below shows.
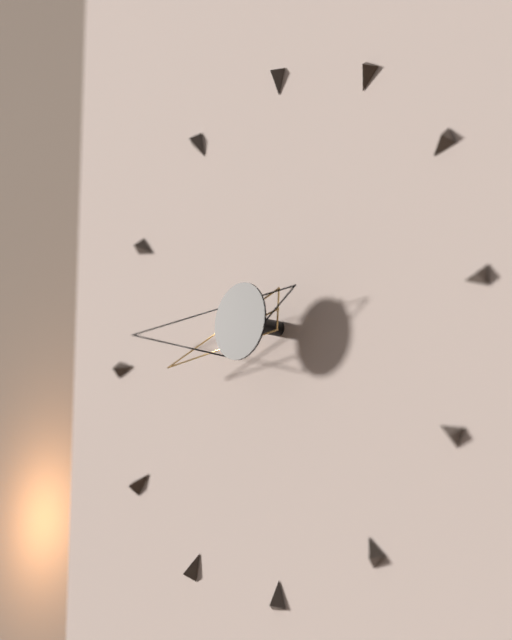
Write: 8 h 46 min
